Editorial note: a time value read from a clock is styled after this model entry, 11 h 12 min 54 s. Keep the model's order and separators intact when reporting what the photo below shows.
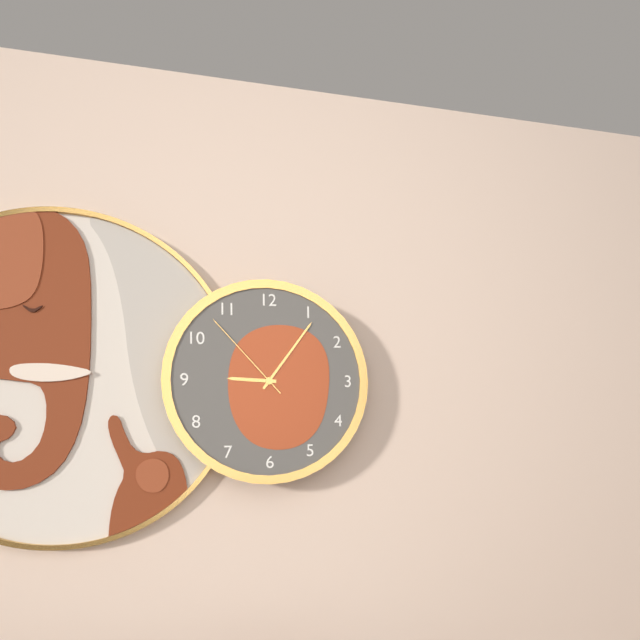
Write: 9 h 06 min 53 s
